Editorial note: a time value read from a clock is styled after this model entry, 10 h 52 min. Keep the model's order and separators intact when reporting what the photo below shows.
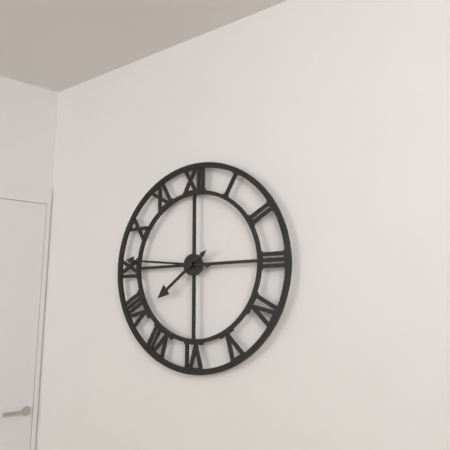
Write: 7 h 46 min
